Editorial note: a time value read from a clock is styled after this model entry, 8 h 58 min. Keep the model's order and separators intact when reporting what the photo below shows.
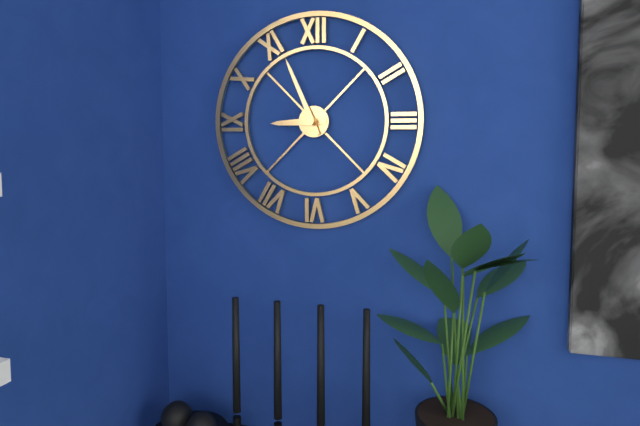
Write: 8 h 56 min
